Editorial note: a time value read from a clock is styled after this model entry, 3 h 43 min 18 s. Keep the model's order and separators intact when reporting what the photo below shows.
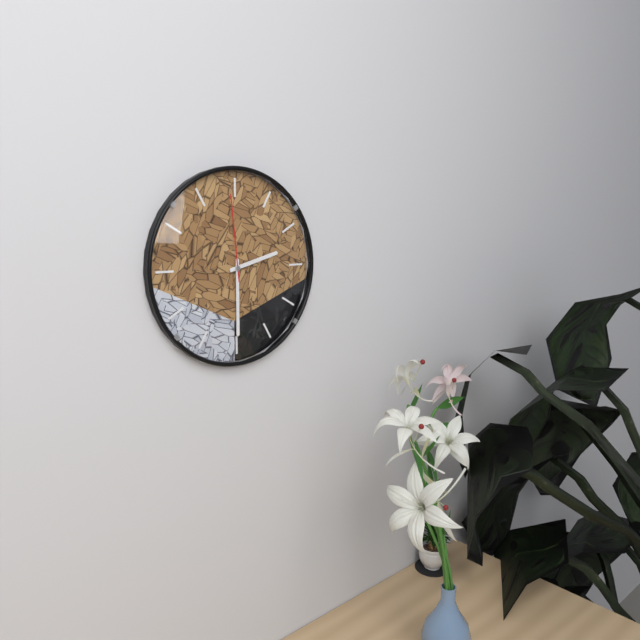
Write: 2 h 30 min 59 s
